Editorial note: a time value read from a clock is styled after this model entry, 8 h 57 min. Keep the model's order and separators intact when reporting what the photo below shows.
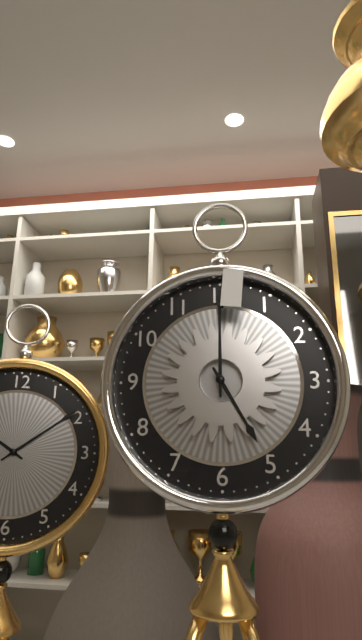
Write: 5 h 00 min
